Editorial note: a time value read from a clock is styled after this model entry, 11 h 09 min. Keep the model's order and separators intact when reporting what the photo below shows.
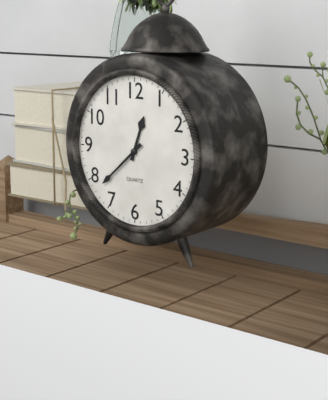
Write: 12 h 38 min
